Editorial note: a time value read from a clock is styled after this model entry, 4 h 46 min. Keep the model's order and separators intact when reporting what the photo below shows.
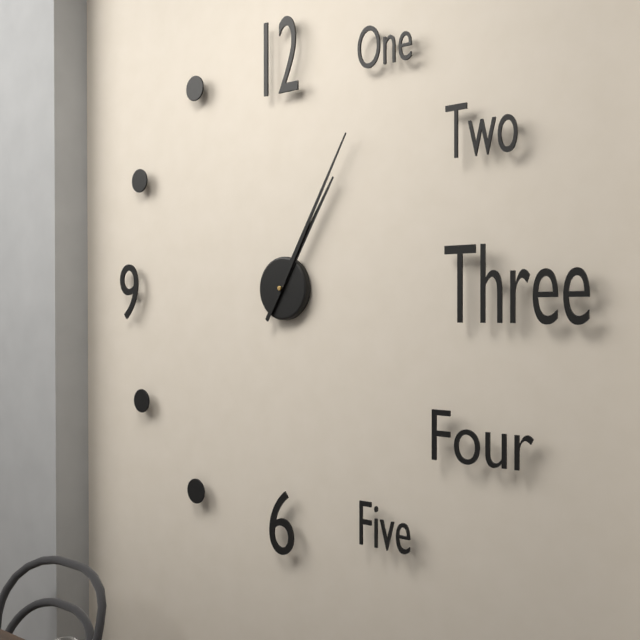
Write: 1 h 05 min
